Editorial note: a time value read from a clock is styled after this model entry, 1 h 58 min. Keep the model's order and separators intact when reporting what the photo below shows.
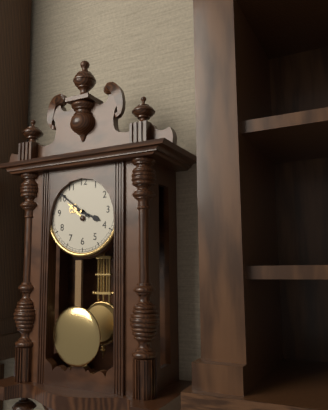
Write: 3 h 51 min
